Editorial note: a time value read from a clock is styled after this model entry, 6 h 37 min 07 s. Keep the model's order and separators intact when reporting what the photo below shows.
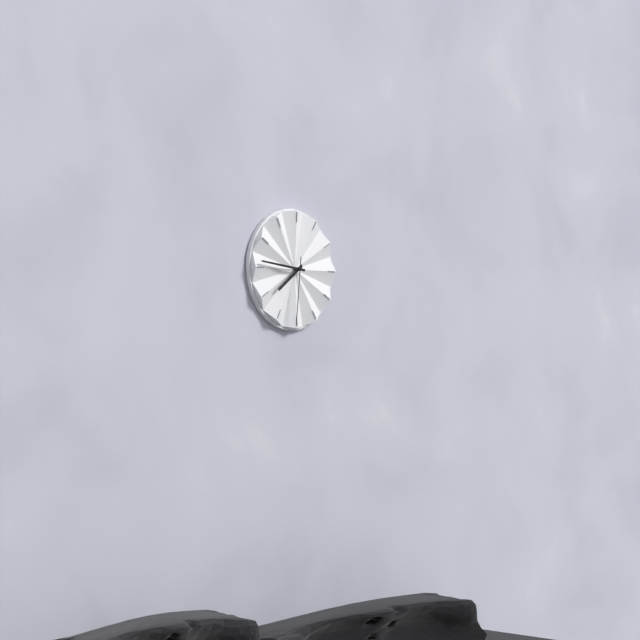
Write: 7 h 46 min 31 s
